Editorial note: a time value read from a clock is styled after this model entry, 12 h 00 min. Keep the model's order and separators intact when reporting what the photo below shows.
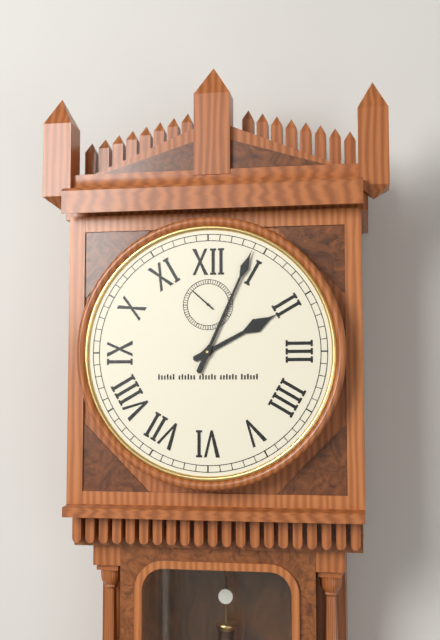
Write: 2 h 04 min
